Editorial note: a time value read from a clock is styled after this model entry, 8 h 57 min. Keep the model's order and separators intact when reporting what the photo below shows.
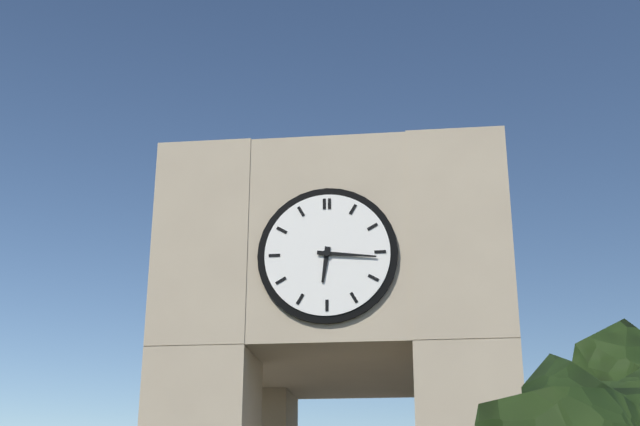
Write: 6 h 16 min
